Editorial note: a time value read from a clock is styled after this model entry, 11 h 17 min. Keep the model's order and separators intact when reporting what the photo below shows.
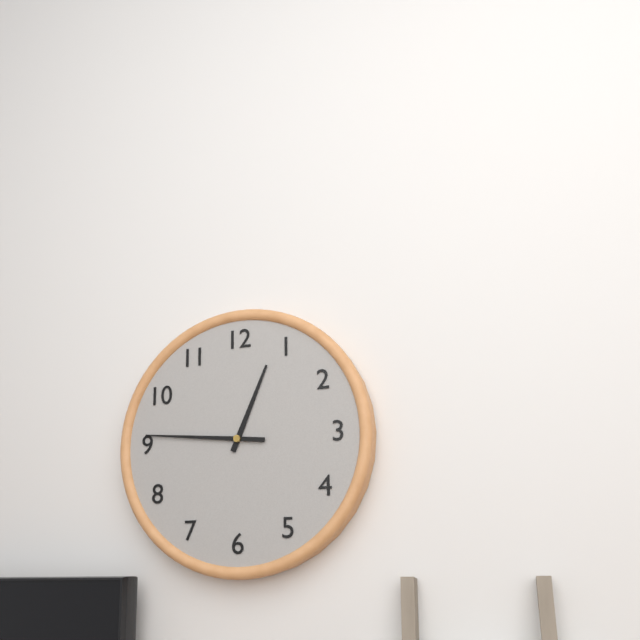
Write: 12 h 46 min
